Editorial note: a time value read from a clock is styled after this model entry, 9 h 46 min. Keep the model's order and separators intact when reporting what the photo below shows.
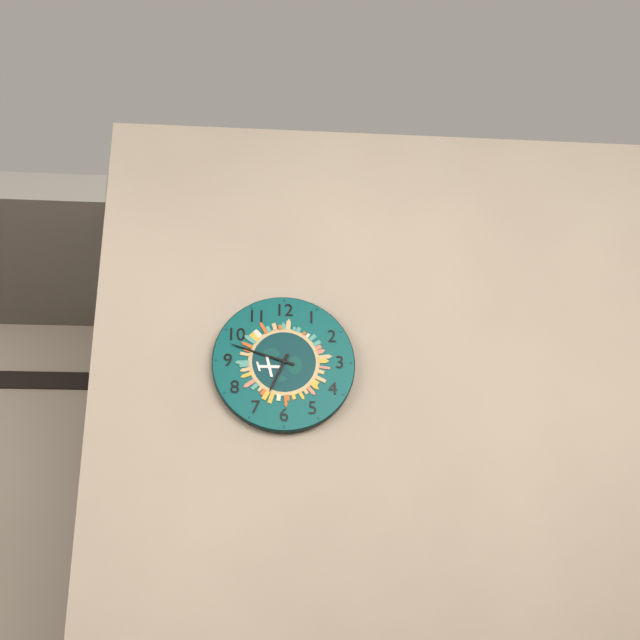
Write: 6 h 48 min
